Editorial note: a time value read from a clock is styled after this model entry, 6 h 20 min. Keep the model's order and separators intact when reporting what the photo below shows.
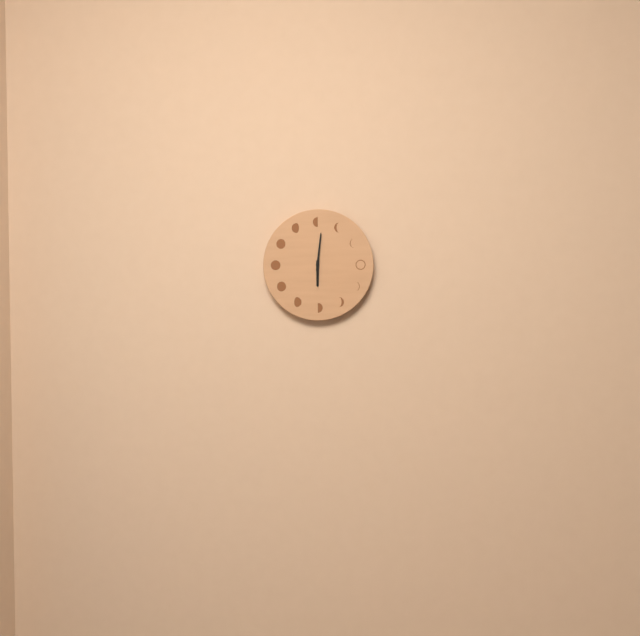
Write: 6 h 01 min
